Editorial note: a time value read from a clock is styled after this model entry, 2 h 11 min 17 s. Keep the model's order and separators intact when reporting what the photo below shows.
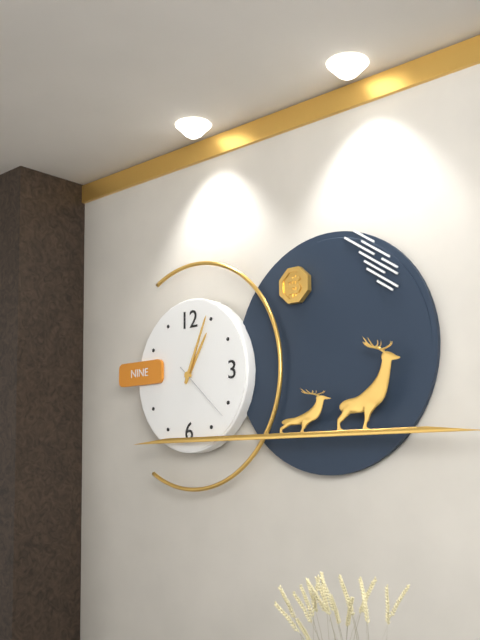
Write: 1 h 04 min 22 s
